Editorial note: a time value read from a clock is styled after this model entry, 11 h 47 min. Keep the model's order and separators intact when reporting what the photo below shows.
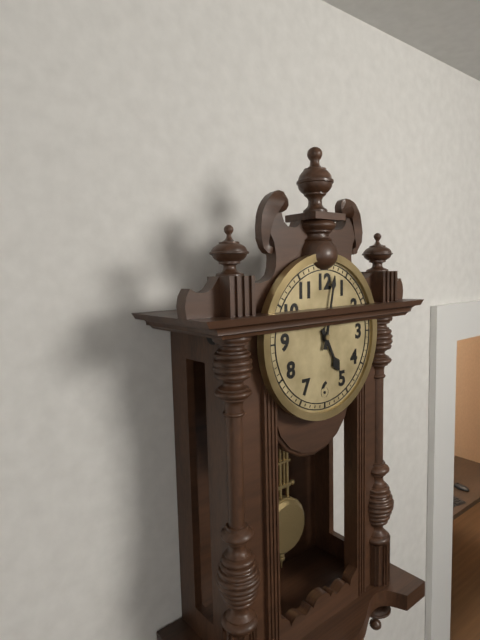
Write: 5 h 02 min
